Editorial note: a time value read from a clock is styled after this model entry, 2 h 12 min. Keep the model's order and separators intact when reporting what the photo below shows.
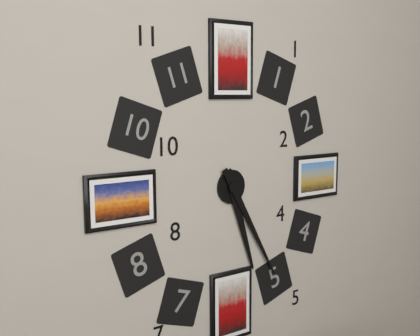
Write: 5 h 25 min
